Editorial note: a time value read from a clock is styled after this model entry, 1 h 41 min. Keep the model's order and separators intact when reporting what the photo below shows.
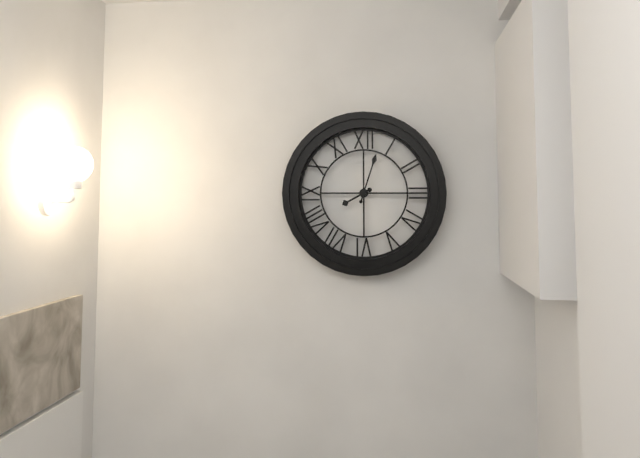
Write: 8 h 03 min
